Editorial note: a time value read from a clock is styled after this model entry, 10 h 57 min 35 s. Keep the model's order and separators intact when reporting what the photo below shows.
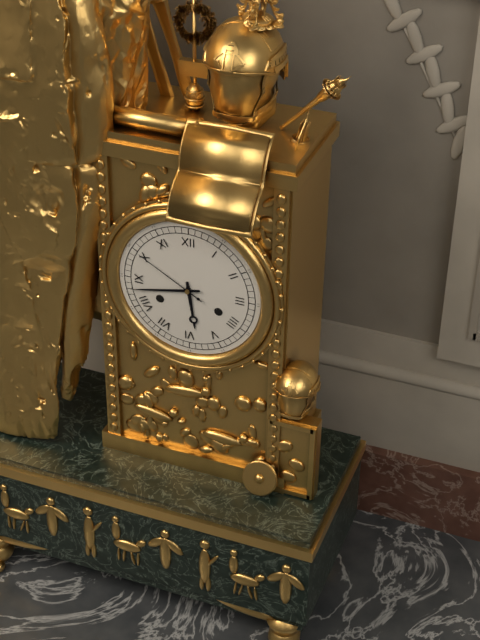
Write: 5 h 43 min 50 s
